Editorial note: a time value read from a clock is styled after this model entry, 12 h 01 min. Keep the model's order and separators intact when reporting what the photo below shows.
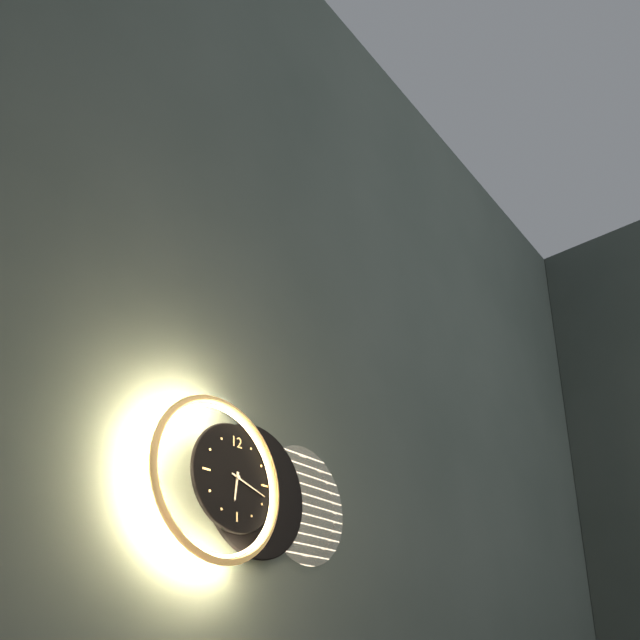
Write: 6 h 18 min
